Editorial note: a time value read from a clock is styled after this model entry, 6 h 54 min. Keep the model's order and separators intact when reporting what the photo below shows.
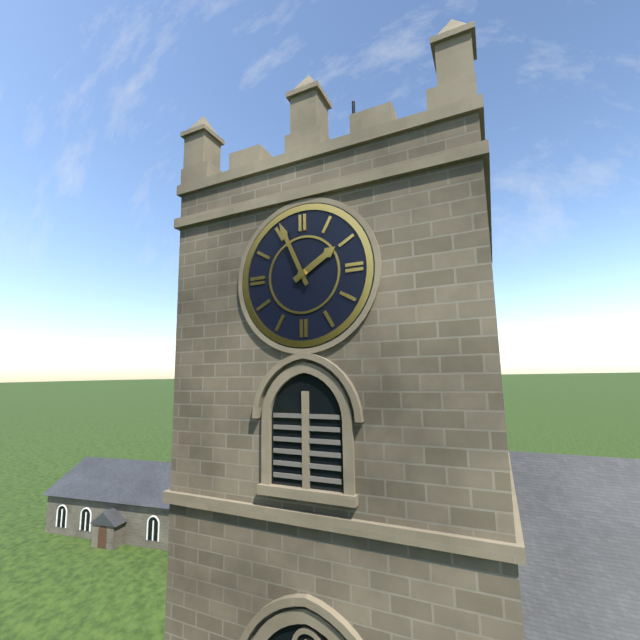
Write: 1 h 56 min
